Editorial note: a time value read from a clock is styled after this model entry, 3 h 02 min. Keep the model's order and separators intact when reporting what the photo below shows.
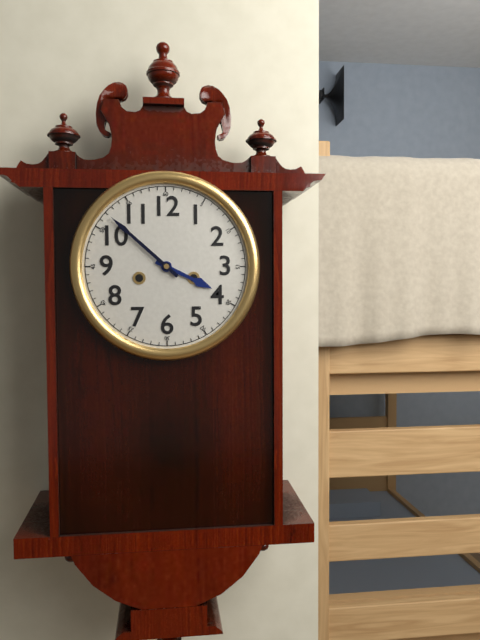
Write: 3 h 52 min
